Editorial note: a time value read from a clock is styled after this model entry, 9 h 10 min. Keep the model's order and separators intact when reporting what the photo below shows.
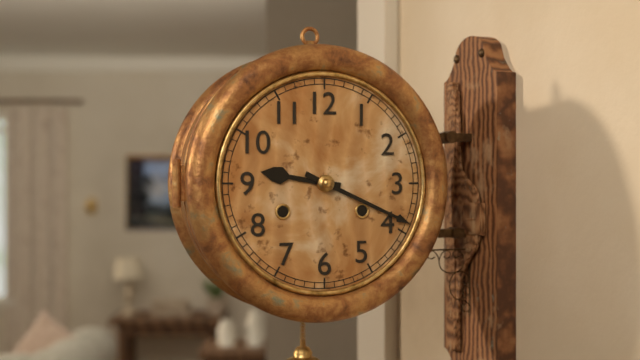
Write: 9 h 19 min
